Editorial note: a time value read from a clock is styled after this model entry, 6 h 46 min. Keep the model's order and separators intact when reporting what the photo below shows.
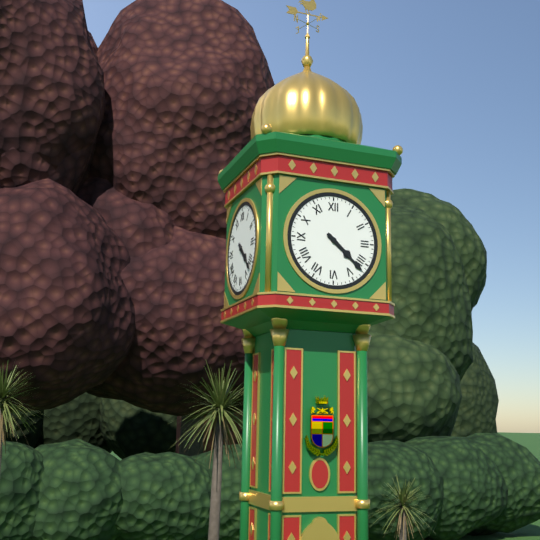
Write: 4 h 22 min
